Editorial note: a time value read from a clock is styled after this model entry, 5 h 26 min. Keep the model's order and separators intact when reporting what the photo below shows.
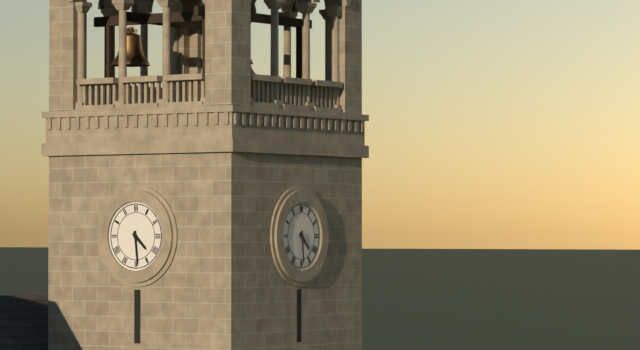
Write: 4 h 29 min
